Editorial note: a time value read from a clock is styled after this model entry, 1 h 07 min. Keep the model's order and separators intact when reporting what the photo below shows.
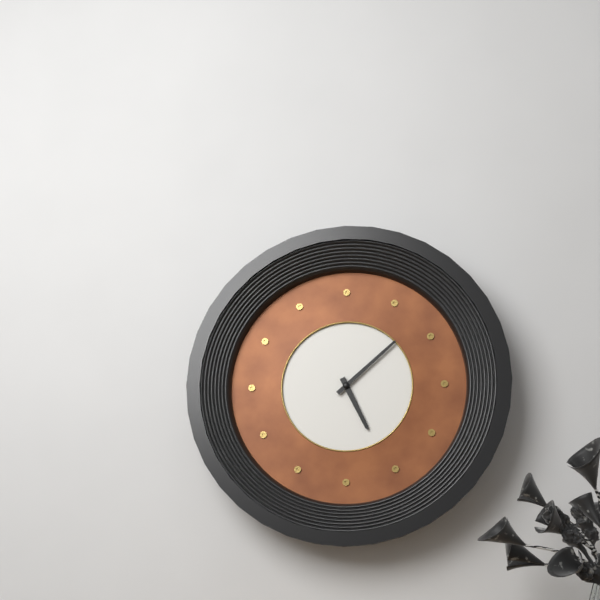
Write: 5 h 08 min
